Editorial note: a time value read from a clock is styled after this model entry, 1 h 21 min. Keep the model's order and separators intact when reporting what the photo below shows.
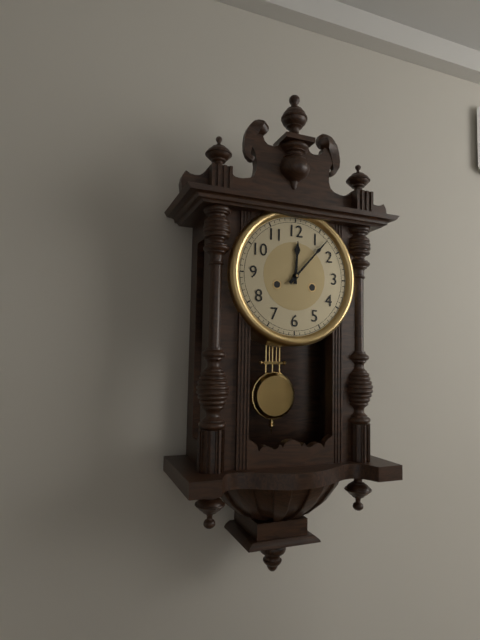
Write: 12 h 07 min
